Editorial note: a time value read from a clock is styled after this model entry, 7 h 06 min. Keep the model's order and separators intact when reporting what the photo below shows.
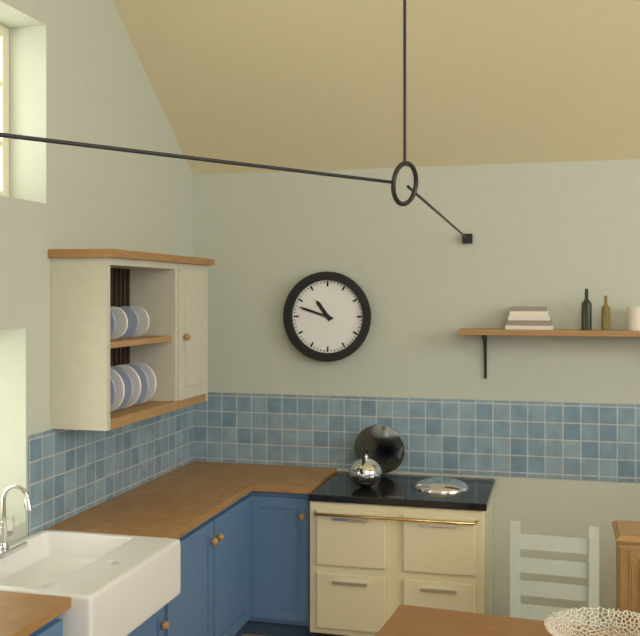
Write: 10 h 48 min
